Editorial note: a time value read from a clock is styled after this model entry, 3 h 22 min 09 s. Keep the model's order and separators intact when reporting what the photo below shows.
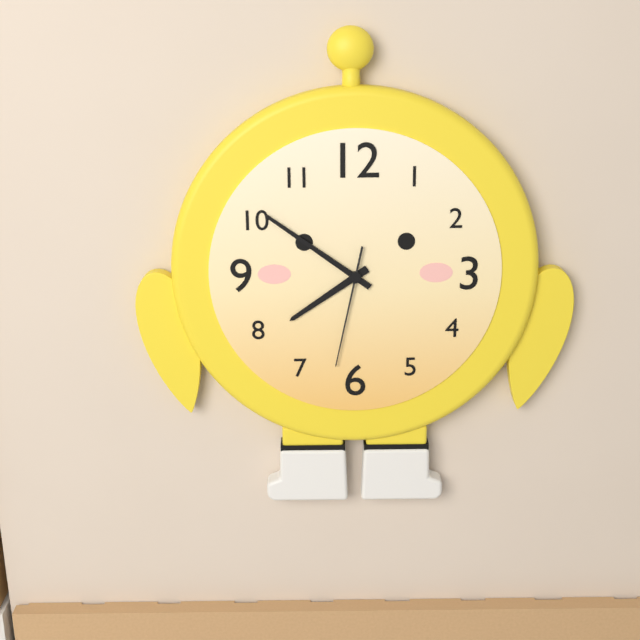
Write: 7 h 51 min 32 s
